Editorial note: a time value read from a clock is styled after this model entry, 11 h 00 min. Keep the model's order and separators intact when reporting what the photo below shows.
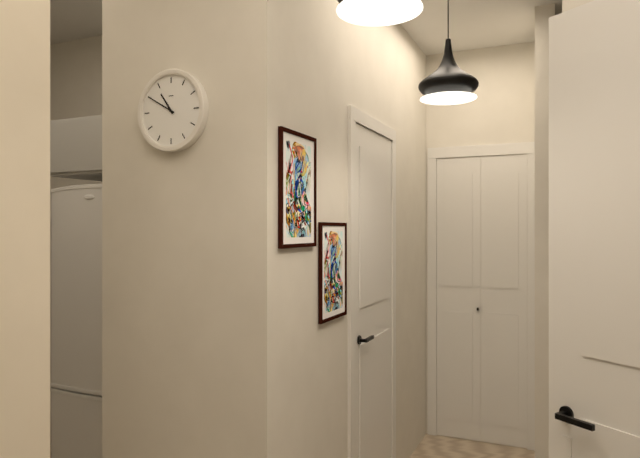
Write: 10 h 50 min
